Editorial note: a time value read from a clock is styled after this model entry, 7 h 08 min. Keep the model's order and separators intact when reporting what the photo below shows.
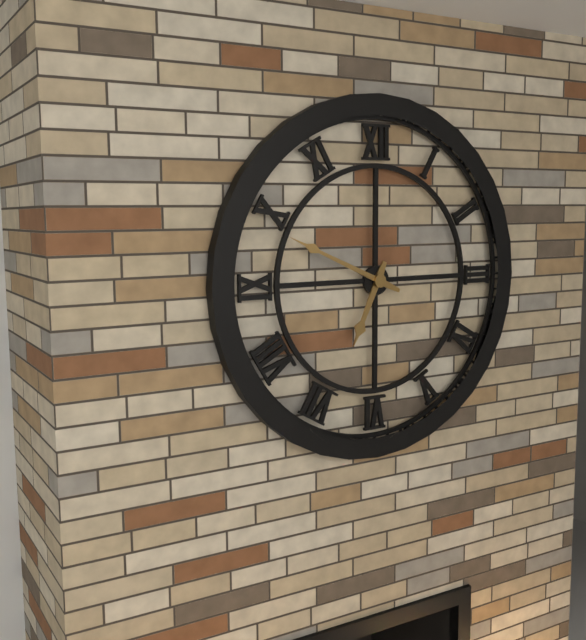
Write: 6 h 49 min
